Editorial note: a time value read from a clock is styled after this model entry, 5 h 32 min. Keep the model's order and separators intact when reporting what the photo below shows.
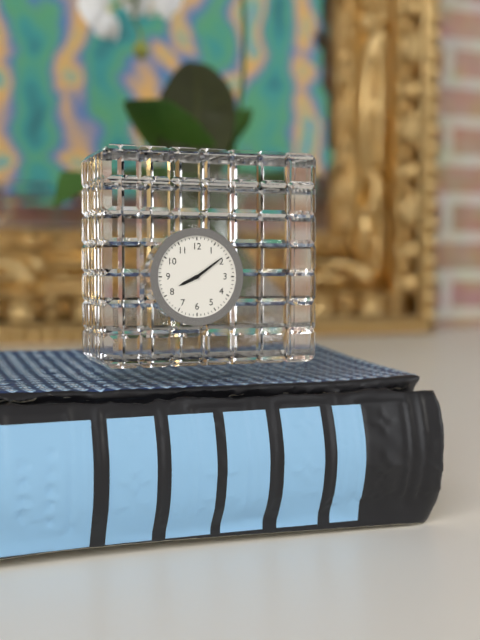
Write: 8 h 09 min
